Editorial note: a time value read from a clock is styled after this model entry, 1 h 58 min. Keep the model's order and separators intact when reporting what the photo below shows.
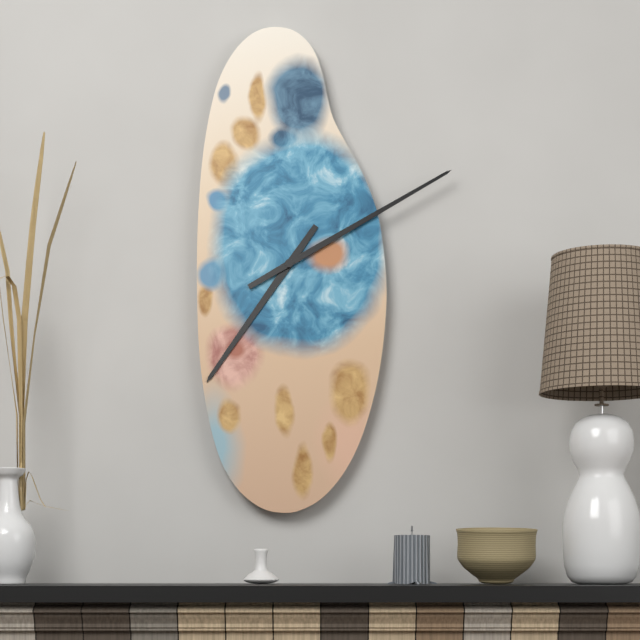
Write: 7 h 10 min
